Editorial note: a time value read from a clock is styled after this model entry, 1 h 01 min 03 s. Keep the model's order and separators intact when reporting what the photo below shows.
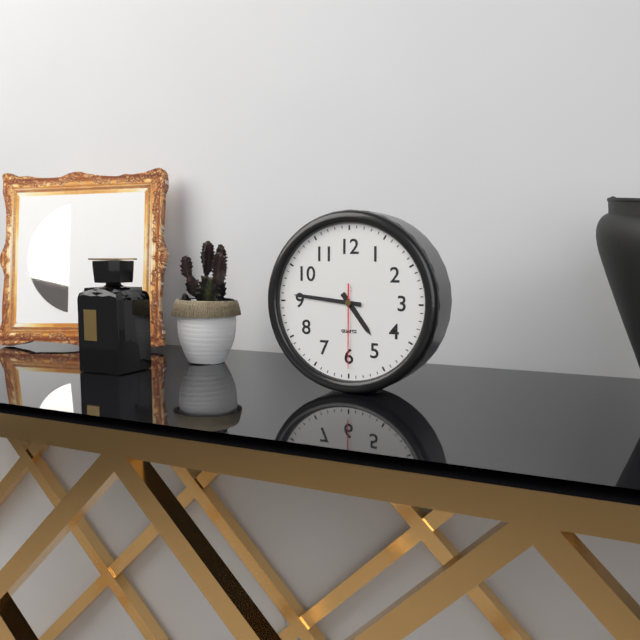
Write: 4 h 46 min 30 s
